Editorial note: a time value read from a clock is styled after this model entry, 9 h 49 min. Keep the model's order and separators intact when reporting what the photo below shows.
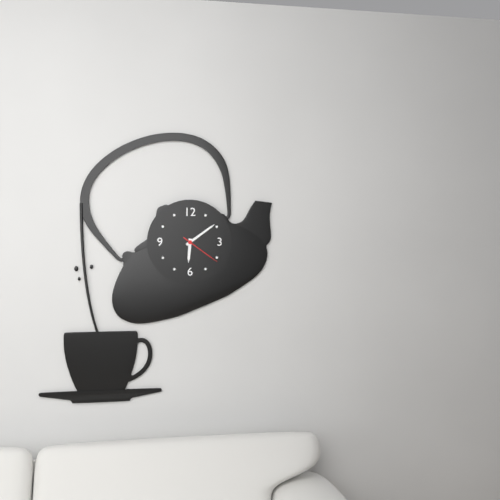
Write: 6 h 09 min
